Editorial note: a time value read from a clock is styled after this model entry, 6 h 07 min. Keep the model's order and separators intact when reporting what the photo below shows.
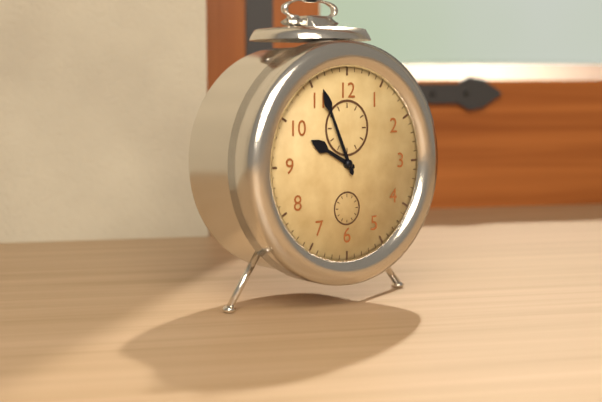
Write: 9 h 56 min
